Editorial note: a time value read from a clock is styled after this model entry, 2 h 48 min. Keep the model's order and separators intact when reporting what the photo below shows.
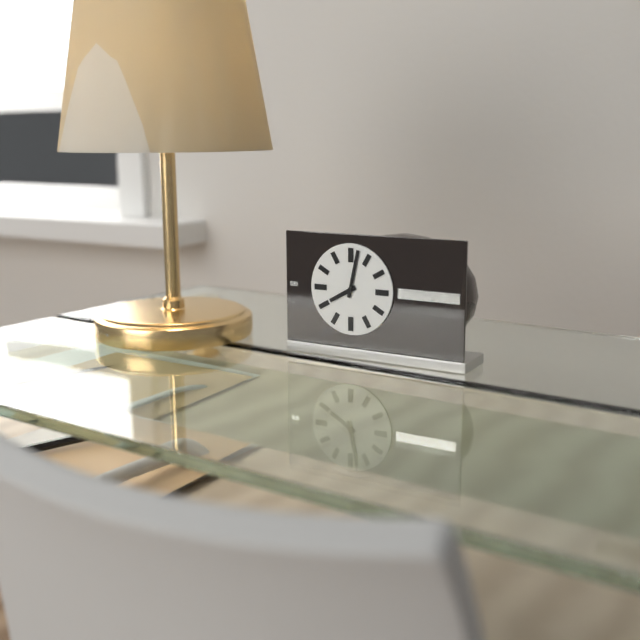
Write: 8 h 02 min
